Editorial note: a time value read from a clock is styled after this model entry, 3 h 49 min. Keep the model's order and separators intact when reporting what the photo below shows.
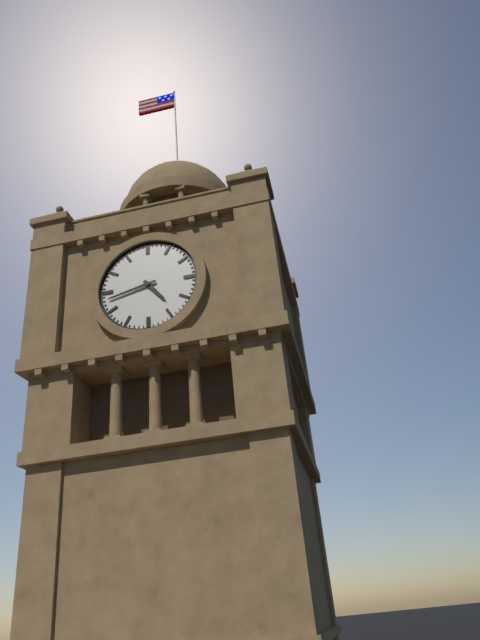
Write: 4 h 43 min
